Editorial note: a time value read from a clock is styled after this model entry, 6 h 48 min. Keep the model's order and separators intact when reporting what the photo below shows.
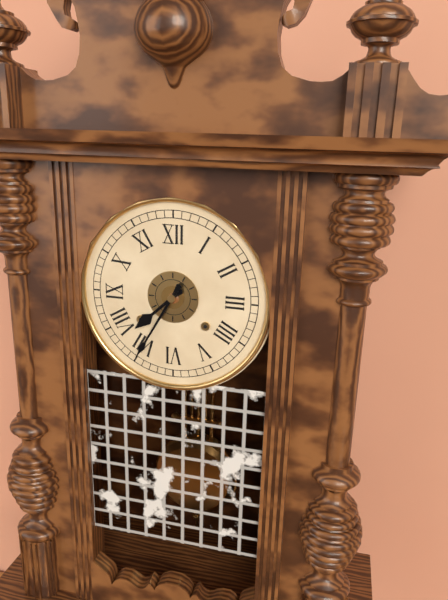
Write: 7 h 35 min
